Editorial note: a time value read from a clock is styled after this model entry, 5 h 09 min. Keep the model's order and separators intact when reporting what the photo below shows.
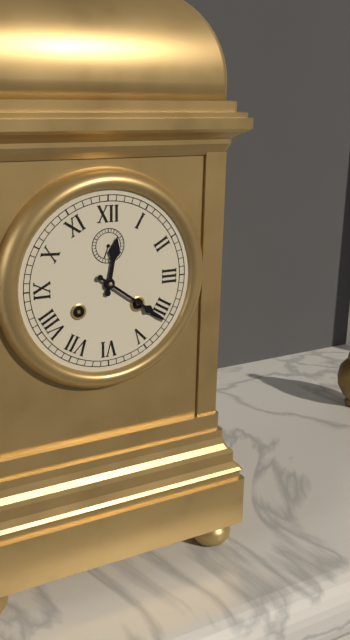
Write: 12 h 21 min
